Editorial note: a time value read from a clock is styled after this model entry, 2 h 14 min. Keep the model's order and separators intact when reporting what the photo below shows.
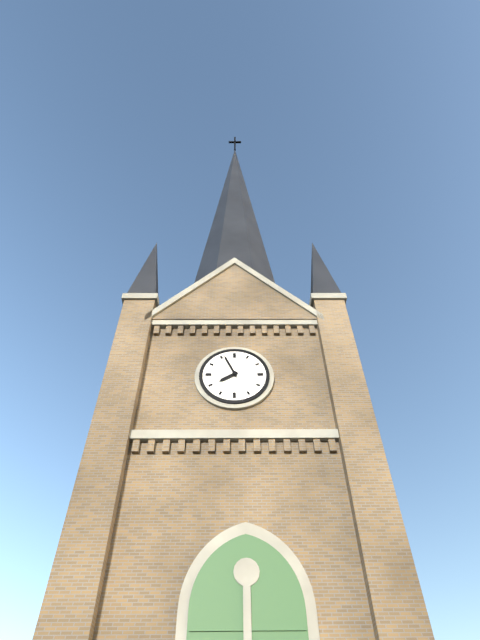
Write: 7 h 56 min
